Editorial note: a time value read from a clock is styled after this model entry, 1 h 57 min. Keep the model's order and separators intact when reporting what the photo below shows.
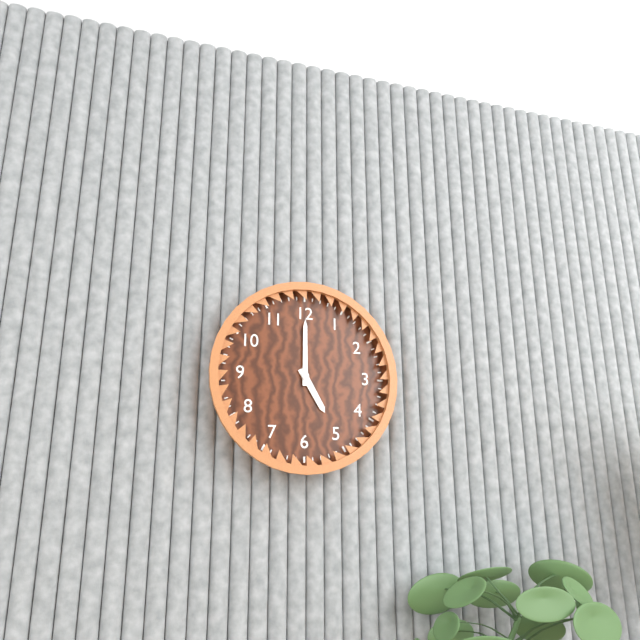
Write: 5 h 00 min
